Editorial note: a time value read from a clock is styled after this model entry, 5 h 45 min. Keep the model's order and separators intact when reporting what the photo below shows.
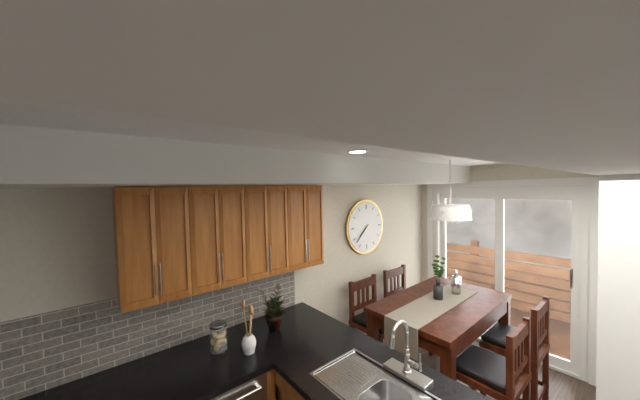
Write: 7 h 38 min
